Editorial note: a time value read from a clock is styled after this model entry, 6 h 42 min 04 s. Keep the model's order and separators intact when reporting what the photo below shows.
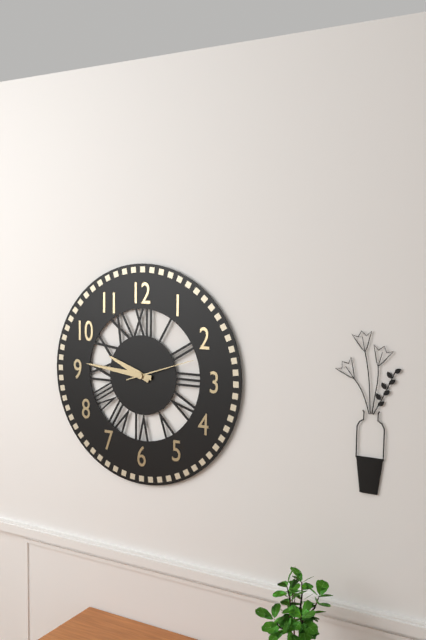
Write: 9 h 46 min 12 s
